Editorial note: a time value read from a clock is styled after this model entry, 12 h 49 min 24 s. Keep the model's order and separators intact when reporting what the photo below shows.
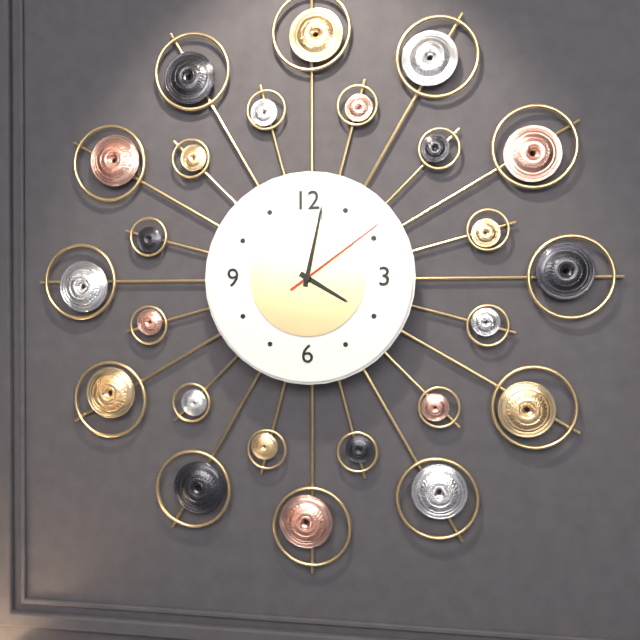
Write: 4 h 02 min 09 s
